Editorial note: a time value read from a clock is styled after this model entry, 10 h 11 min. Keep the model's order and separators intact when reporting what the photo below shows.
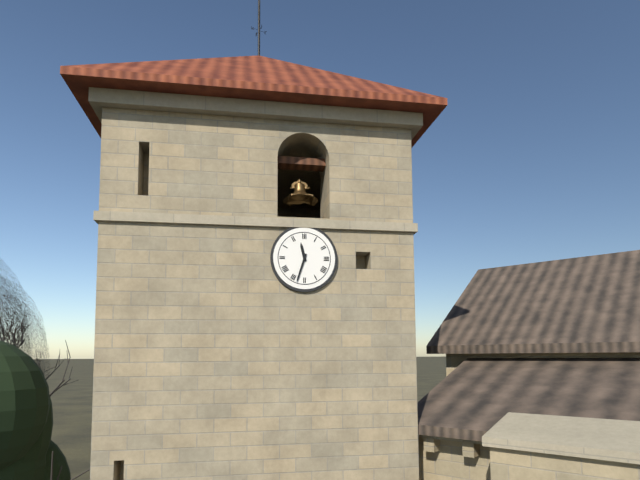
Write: 11 h 33 min
